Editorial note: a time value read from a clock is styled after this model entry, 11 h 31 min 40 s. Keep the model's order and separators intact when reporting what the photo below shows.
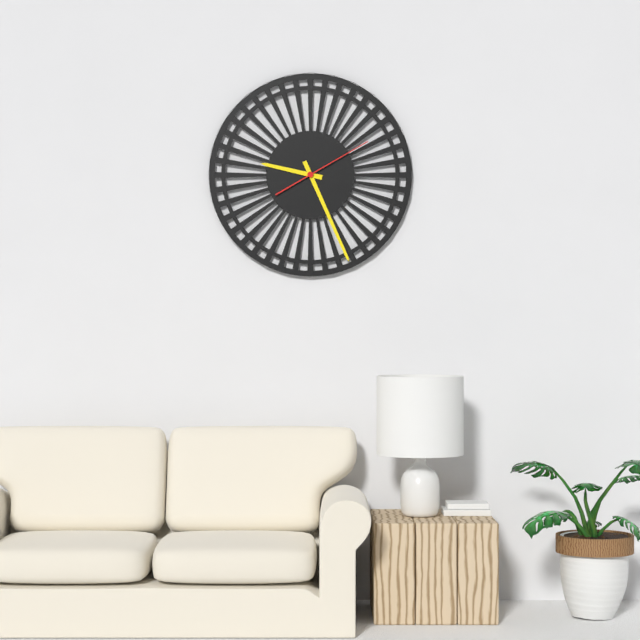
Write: 9 h 26 min 10 s
